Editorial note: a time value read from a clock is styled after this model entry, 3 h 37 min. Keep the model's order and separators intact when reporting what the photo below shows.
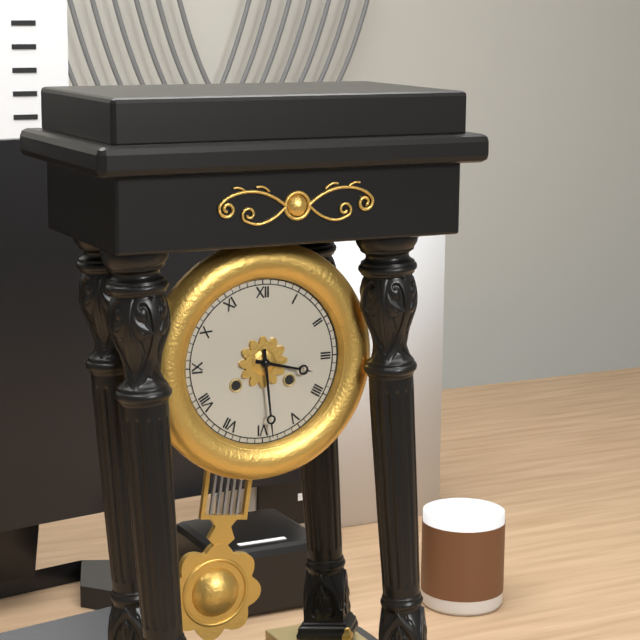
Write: 3 h 29 min
